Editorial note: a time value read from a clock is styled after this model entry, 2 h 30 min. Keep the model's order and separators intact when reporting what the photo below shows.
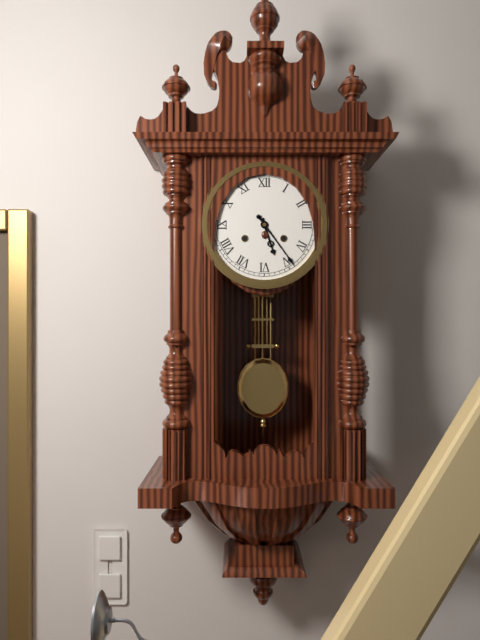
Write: 5 h 24 min
